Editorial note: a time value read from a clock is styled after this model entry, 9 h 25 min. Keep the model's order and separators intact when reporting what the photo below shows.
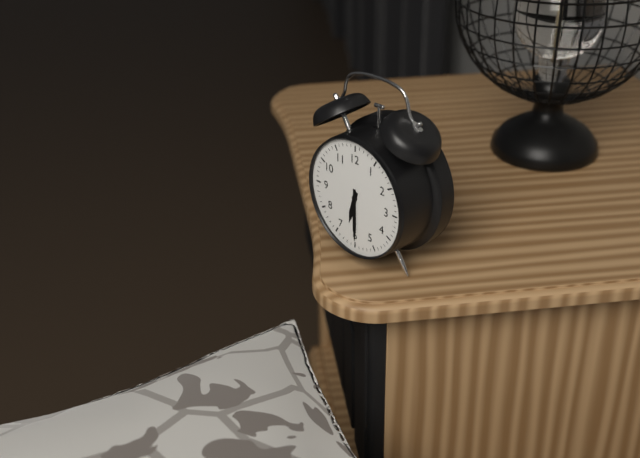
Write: 6 h 30 min
